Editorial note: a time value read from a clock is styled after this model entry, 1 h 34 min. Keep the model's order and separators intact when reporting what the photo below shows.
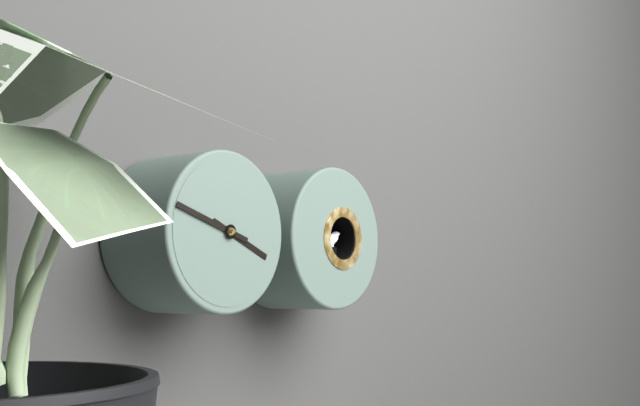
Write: 3 h 48 min
